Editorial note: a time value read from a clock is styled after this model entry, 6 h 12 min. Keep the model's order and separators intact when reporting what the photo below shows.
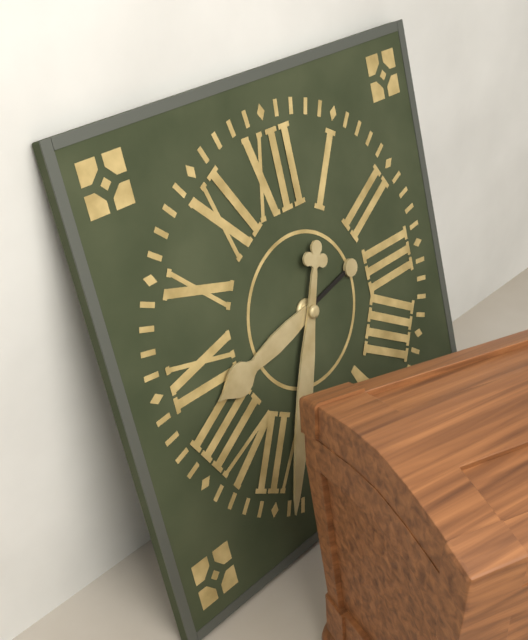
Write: 8 h 34 min
